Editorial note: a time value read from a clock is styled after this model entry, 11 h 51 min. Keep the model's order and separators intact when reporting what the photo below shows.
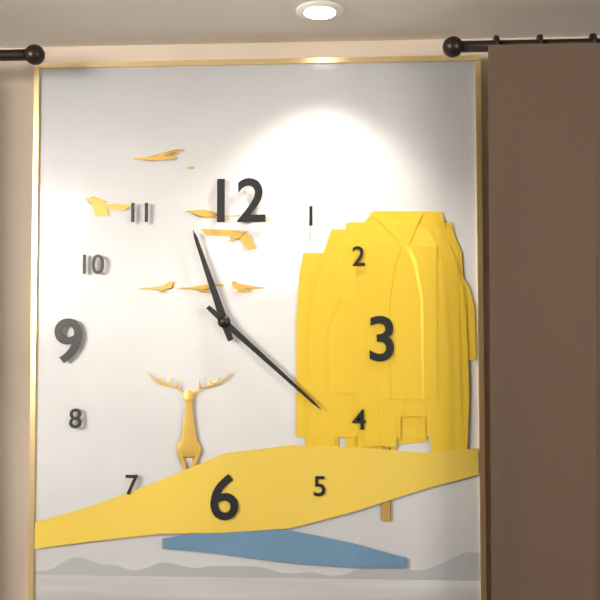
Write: 11 h 22 min
